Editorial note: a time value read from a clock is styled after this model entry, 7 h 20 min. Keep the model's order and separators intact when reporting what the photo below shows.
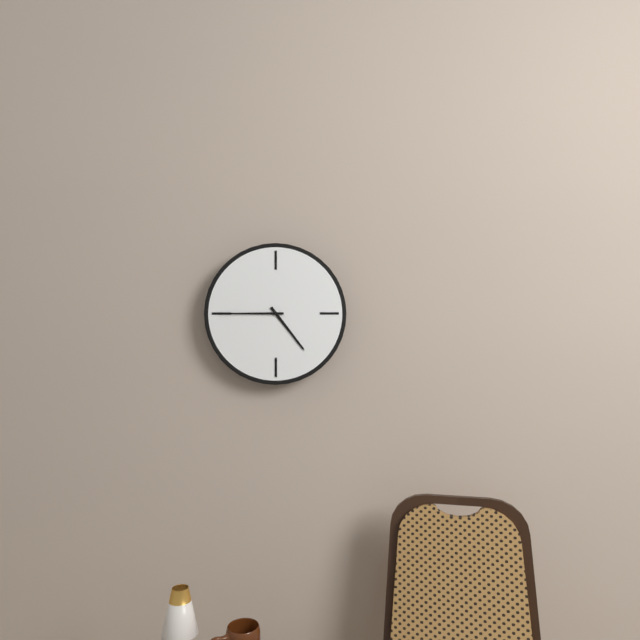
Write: 4 h 45 min
